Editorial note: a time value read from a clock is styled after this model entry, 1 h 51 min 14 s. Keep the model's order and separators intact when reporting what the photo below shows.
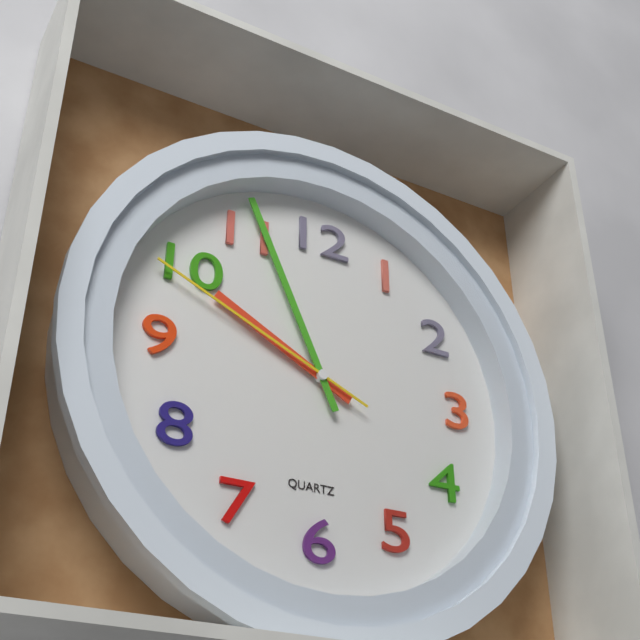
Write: 9 h 56 min 49 s
